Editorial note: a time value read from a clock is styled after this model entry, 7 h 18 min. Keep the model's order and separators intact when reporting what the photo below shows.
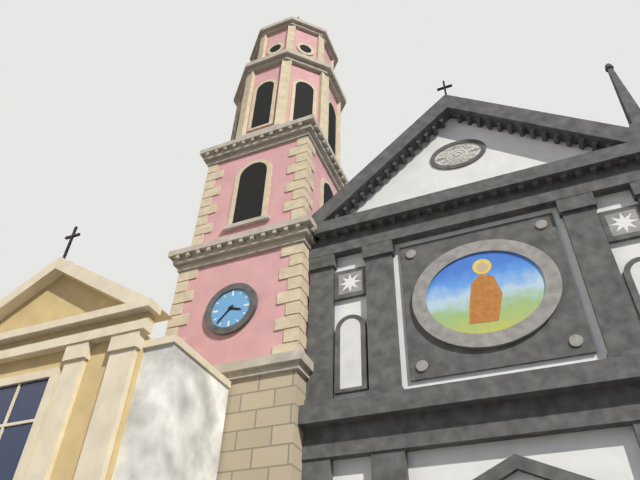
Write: 3 h 37 min
